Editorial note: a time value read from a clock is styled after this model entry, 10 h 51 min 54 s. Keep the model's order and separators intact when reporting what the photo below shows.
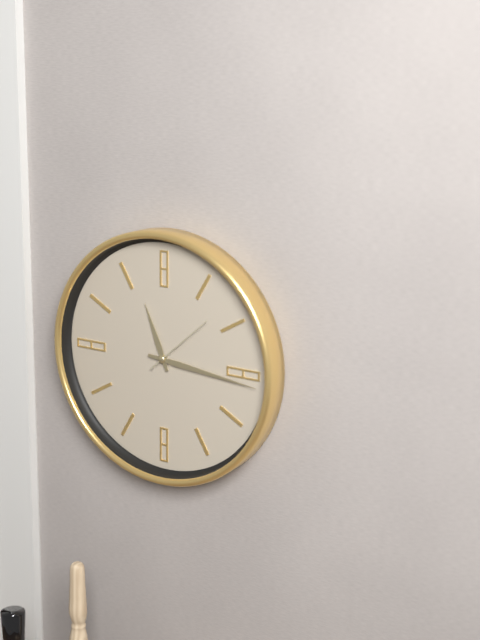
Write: 11 h 16 min 08 s
